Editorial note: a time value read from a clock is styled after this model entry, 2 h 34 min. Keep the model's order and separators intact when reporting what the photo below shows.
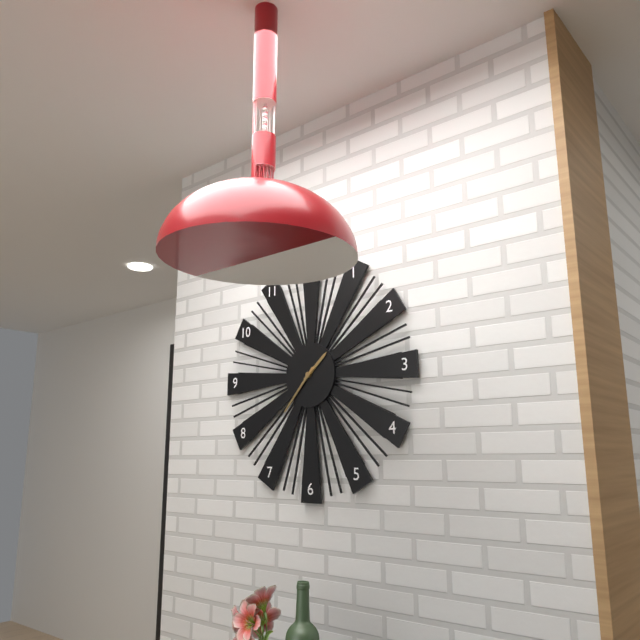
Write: 1 h 37 min
